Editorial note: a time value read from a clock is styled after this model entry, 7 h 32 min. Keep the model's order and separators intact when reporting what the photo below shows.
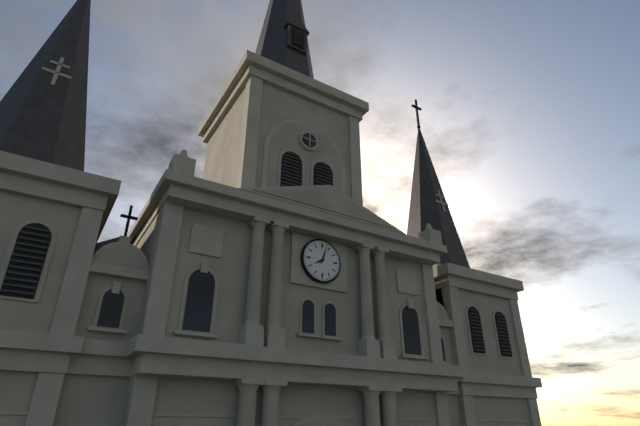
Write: 8 h 03 min
